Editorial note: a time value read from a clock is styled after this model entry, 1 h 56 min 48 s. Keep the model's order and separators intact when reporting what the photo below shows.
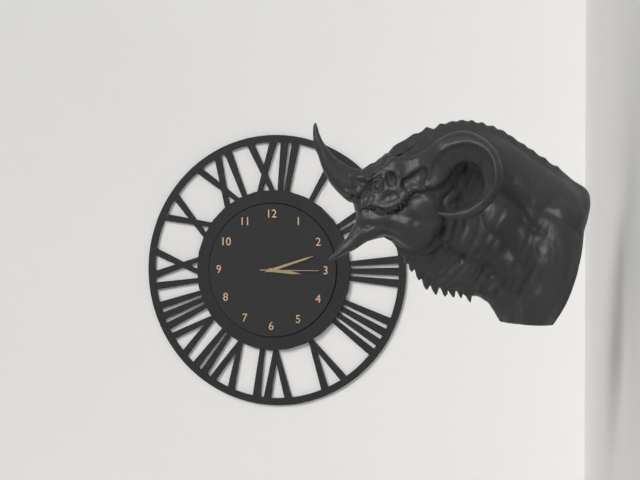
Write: 3 h 12 min 15 s
